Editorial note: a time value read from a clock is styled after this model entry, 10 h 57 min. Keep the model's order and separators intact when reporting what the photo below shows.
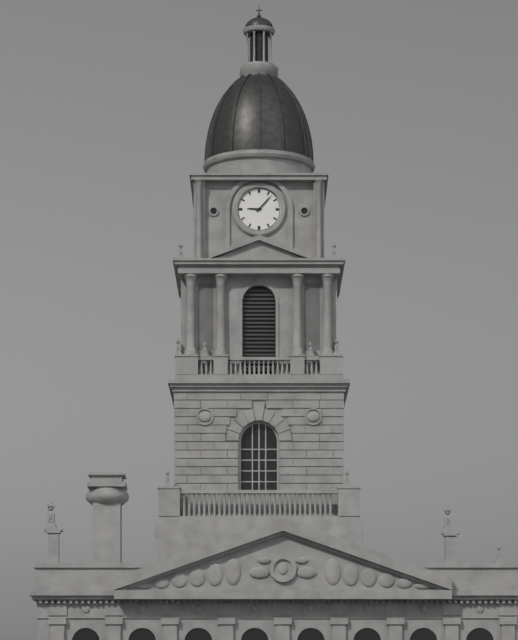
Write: 9 h 07 min
